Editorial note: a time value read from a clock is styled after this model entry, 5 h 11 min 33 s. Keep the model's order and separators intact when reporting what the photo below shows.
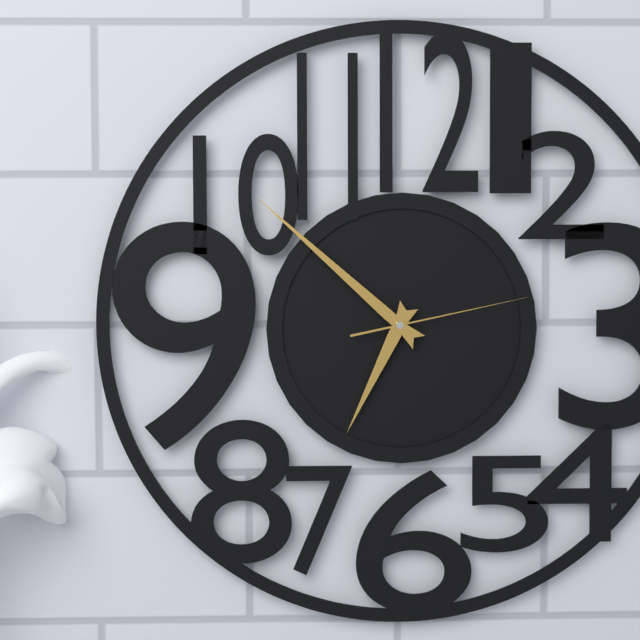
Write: 6 h 52 min 13 s
